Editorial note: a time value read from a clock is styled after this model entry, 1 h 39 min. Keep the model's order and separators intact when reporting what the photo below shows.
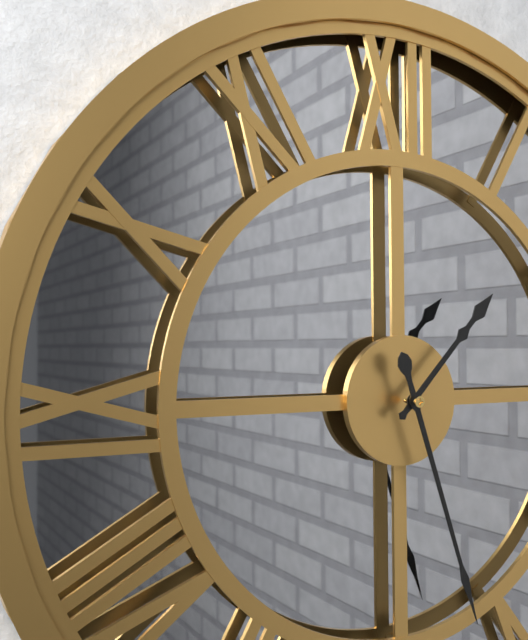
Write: 1 h 27 min
